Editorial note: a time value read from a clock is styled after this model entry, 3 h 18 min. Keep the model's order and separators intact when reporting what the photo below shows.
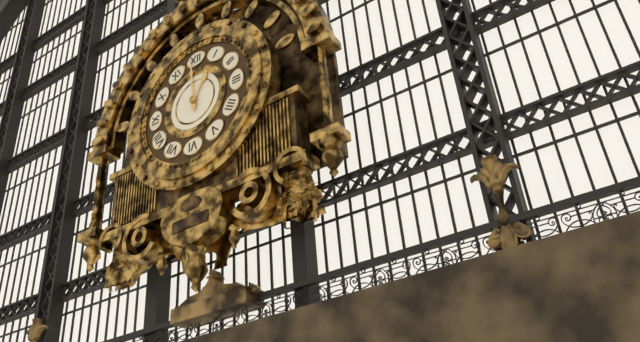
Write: 12 h 59 min
